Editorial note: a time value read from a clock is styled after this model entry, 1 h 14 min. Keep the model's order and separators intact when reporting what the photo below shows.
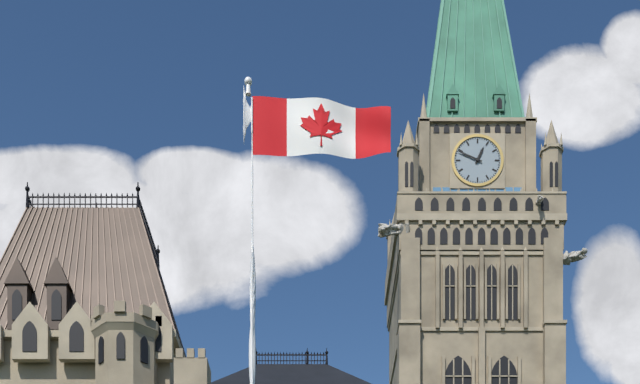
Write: 12 h 49 min
